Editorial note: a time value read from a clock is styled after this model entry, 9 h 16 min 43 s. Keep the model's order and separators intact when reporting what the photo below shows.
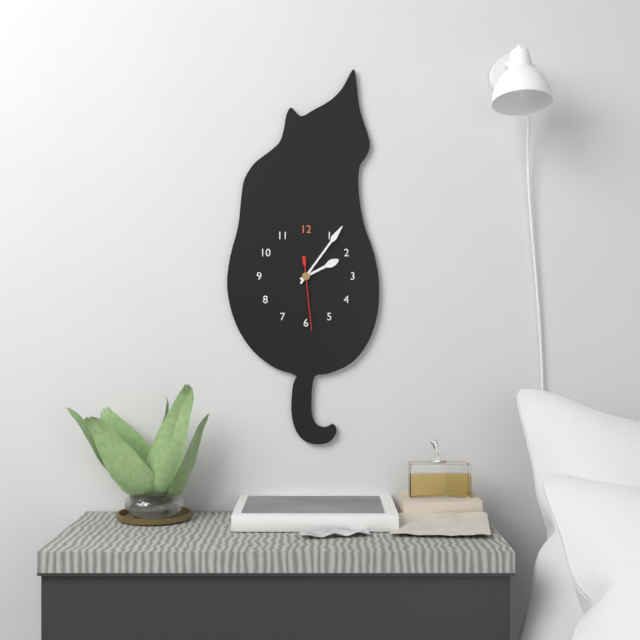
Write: 2 h 06 min 29 s
